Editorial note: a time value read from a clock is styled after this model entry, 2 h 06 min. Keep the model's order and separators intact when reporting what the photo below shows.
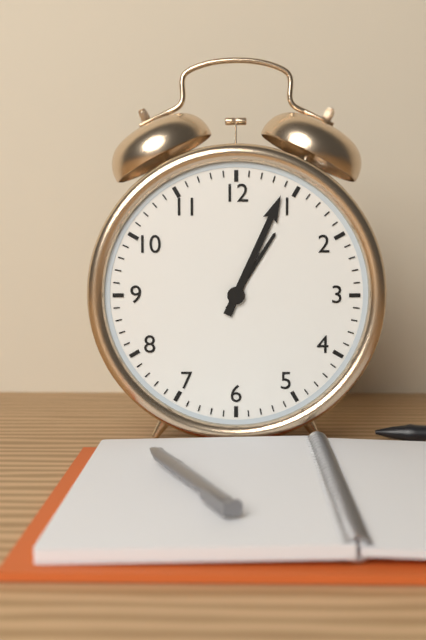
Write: 1 h 04 min
